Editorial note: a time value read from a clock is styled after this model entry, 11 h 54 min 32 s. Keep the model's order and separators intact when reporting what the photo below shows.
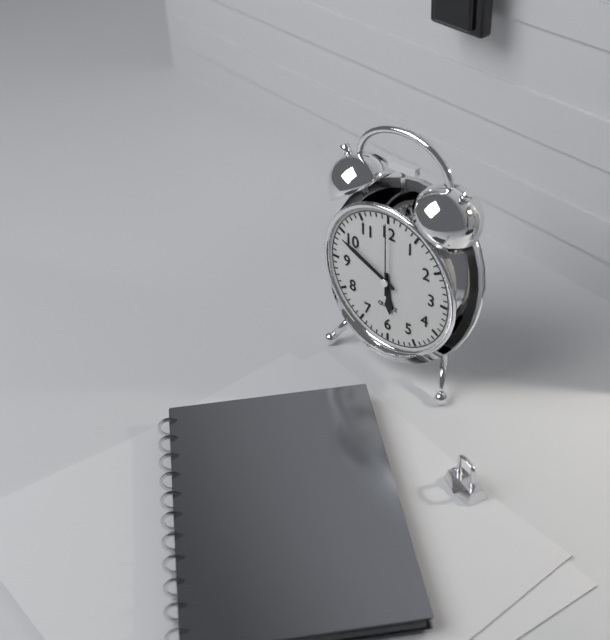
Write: 5 h 49 min 00 s
